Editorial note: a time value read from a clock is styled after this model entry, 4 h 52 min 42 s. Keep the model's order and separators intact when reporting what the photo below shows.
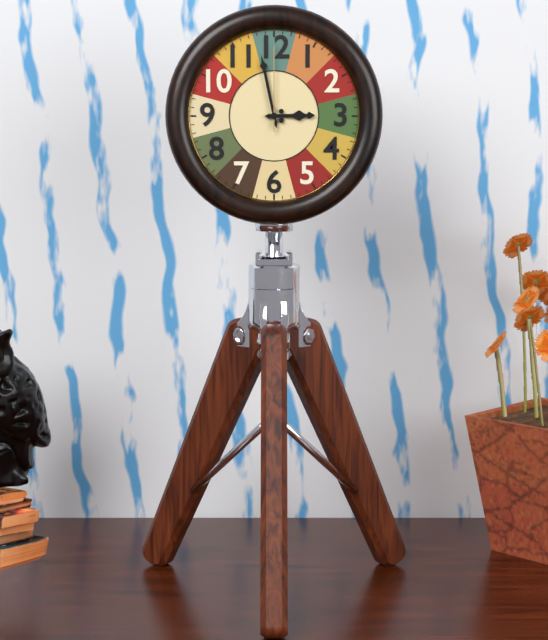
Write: 2 h 58 min 00 s
